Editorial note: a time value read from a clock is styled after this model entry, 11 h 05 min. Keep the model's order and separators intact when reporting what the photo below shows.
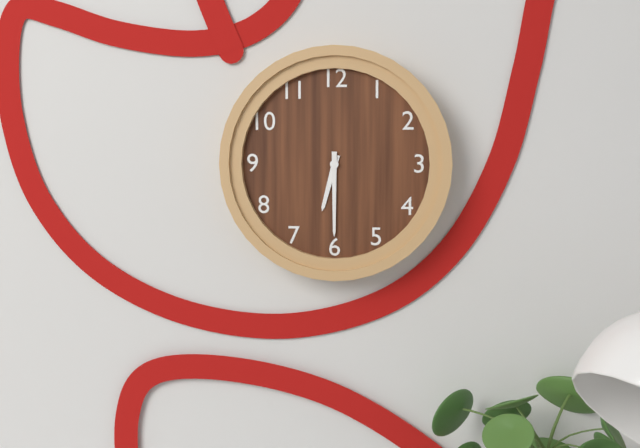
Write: 6 h 30 min
